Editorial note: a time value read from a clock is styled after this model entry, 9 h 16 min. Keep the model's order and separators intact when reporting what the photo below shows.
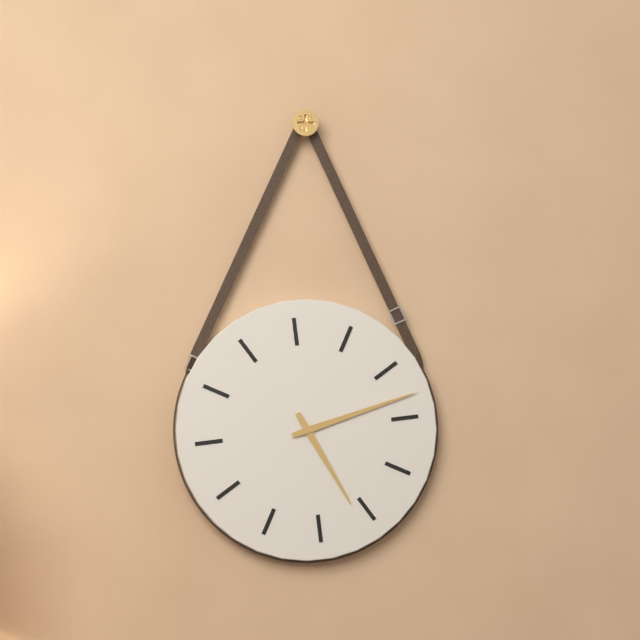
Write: 5 h 13 min
